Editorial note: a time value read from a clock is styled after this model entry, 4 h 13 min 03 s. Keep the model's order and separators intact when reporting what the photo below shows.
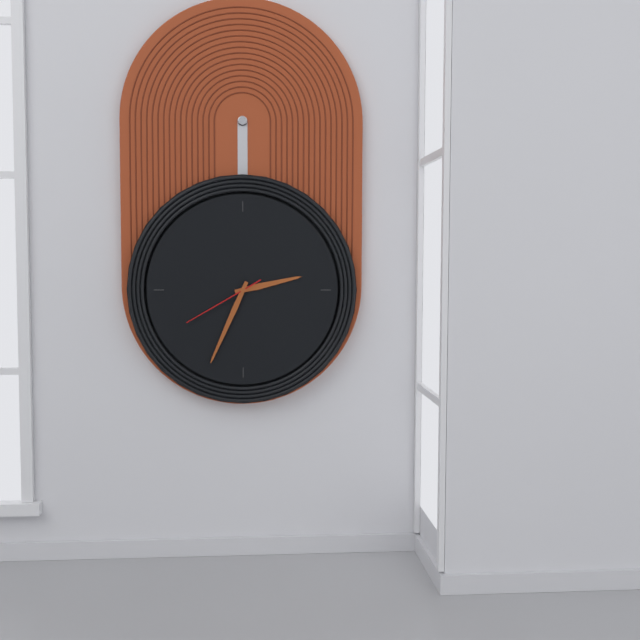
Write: 2 h 34 min 40 s
